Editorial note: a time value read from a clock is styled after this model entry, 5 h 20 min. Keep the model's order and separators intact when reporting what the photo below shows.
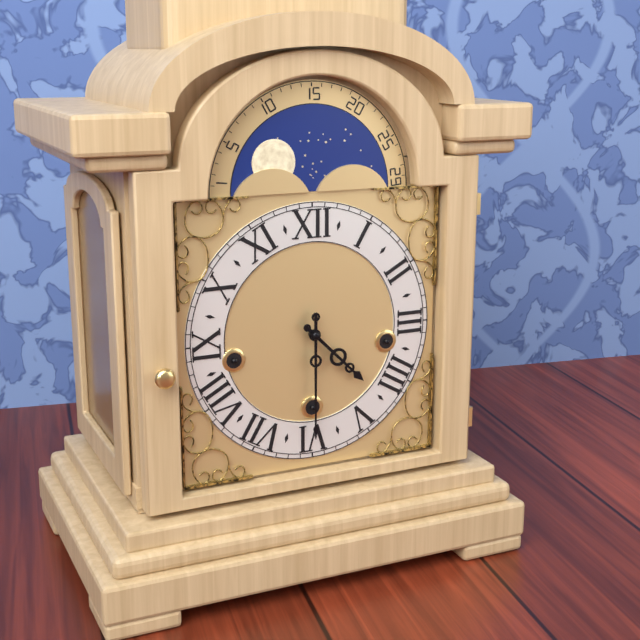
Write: 4 h 30 min
